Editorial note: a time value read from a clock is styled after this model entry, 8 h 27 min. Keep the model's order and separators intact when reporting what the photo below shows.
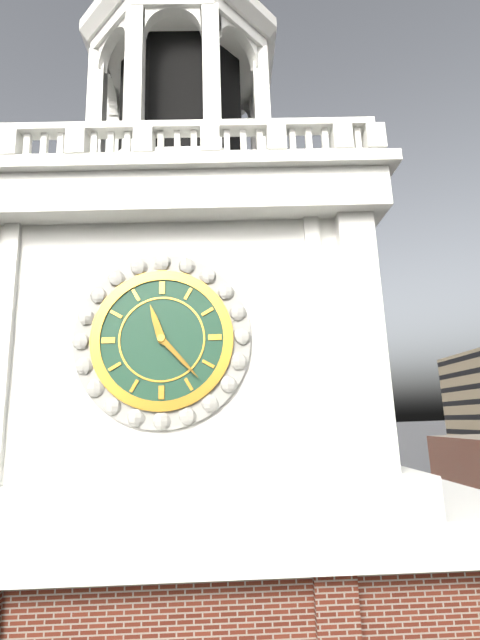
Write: 11 h 23 min
